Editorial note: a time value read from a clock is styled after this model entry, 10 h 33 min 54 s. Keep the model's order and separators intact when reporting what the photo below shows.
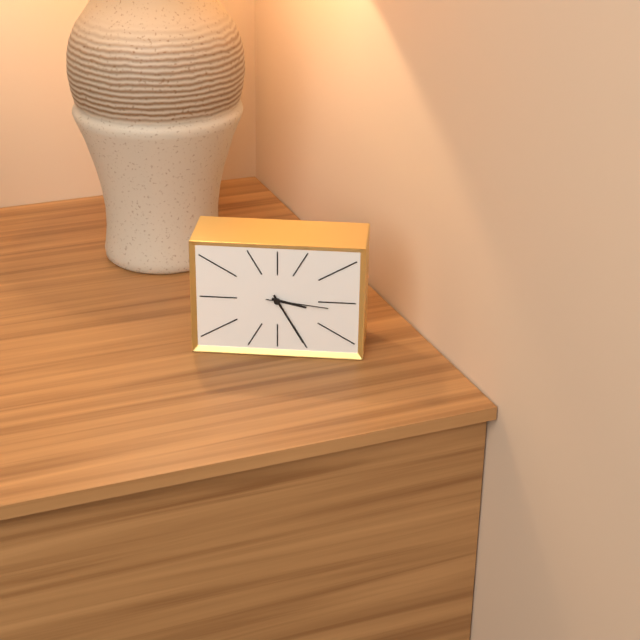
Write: 3 h 25 min 16 s
